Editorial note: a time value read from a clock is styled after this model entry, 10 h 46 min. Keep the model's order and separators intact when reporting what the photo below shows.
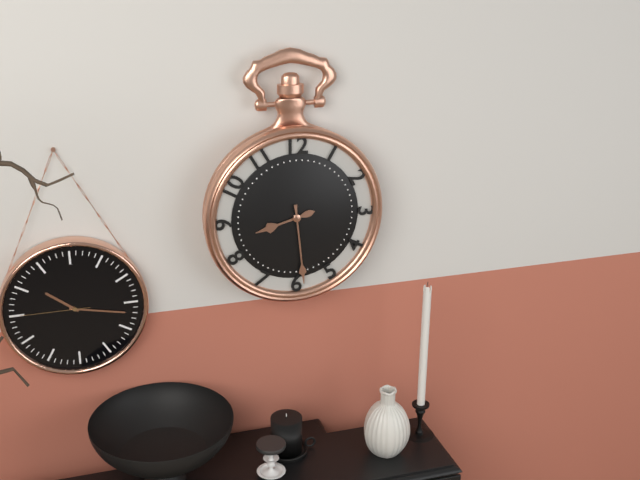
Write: 8 h 29 min
